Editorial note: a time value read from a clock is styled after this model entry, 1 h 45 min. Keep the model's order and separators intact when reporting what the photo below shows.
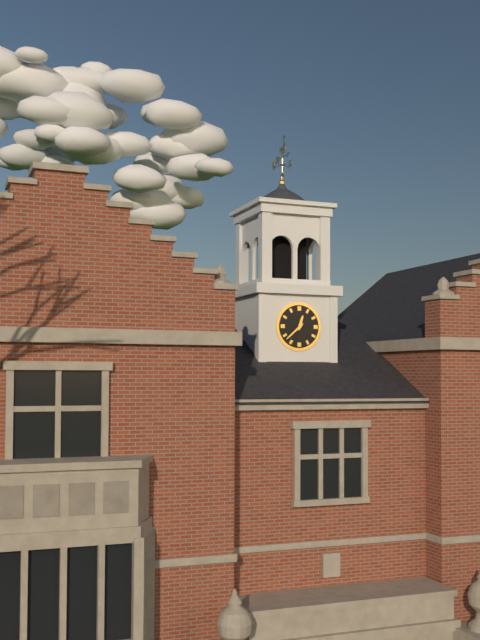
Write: 12 h 38 min
